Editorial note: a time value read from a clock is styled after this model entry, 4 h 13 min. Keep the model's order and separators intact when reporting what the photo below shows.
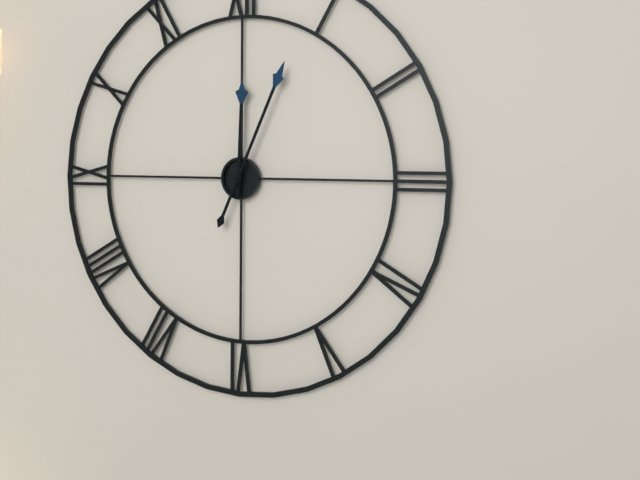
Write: 12 h 04 min
